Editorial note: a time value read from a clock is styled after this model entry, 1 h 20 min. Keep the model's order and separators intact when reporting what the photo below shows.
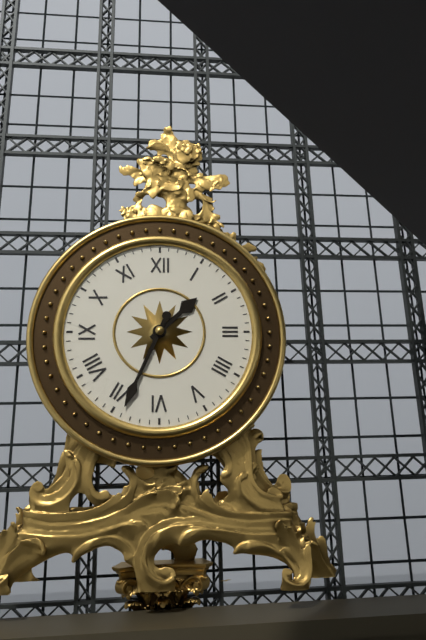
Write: 1 h 34 min
